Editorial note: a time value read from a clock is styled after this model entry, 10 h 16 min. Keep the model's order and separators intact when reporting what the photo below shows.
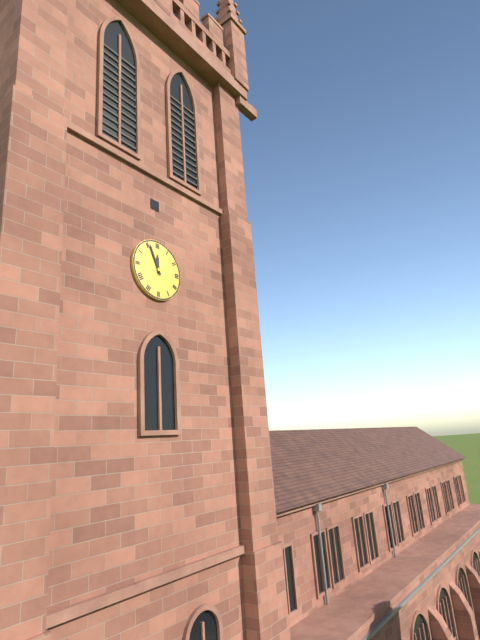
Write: 11 h 56 min
